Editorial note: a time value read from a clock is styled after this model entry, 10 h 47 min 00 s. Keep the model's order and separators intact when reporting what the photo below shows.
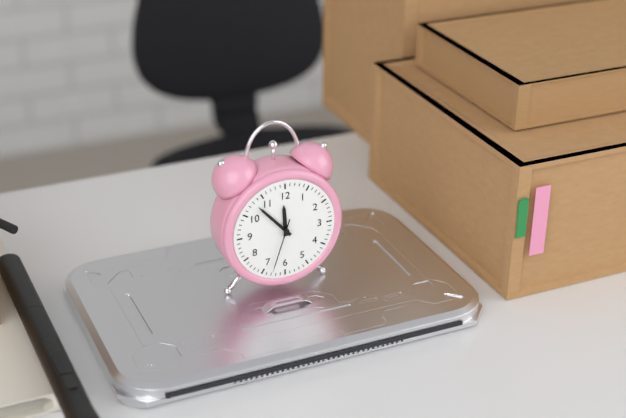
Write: 11 h 53 min 33 s
